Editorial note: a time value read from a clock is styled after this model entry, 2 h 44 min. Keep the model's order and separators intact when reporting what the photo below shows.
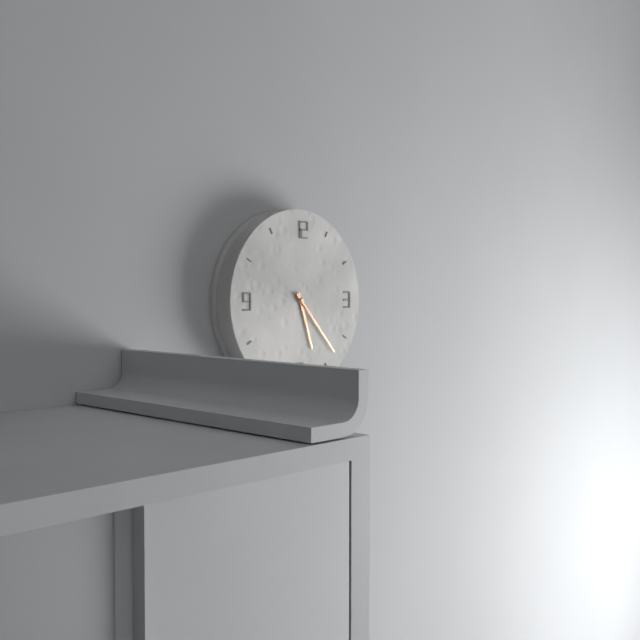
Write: 5 h 23 min
